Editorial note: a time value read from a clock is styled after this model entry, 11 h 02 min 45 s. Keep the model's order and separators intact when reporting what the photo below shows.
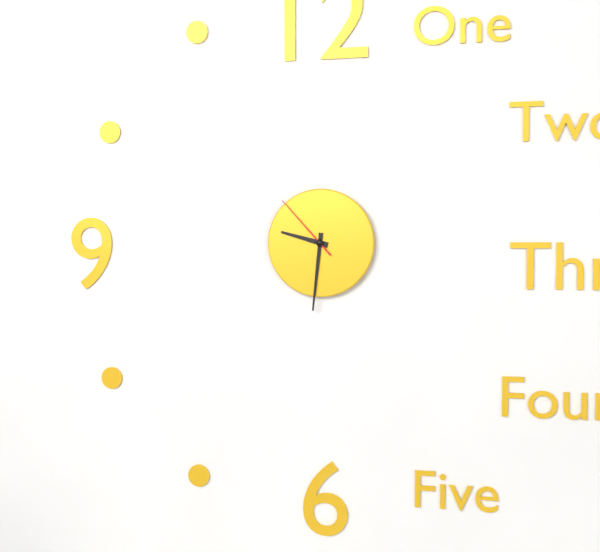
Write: 9 h 31 min 53 s
